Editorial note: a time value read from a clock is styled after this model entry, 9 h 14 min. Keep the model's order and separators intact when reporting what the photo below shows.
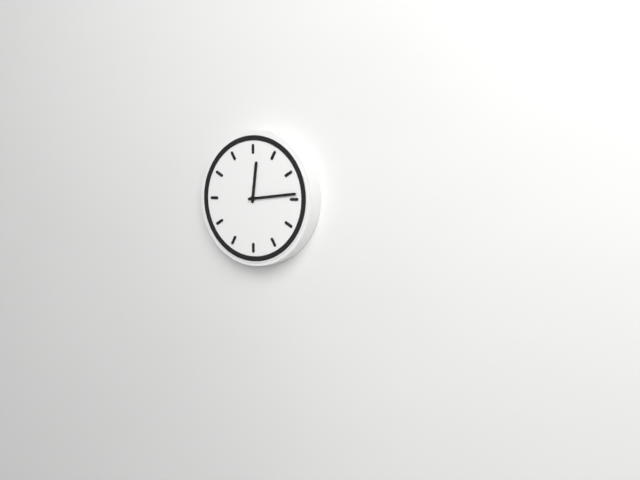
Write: 12 h 14 min
